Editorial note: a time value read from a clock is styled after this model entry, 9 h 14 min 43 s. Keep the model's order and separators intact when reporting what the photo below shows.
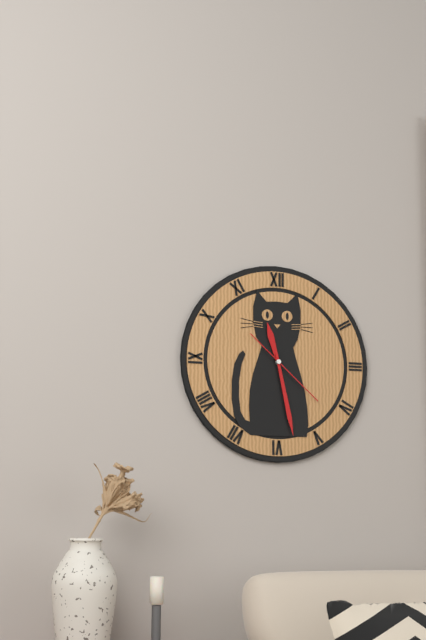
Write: 11 h 28 min 22 s
